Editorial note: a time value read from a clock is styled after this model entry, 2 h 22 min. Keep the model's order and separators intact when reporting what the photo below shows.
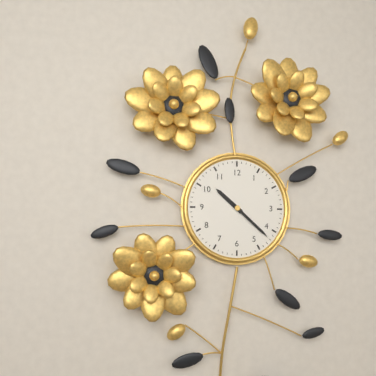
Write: 10 h 22 min
